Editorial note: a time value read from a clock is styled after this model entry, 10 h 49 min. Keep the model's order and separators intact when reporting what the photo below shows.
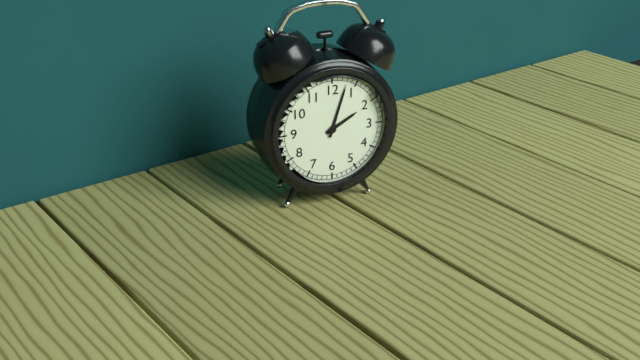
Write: 2 h 03 min
